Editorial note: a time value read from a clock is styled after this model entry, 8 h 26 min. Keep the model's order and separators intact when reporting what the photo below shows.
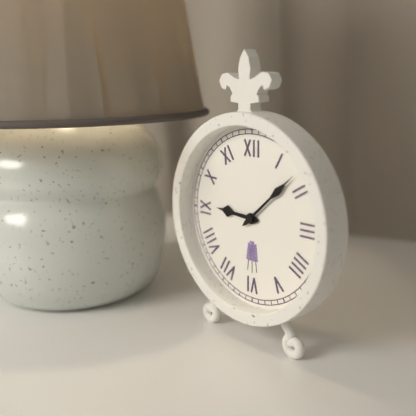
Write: 9 h 08 min
